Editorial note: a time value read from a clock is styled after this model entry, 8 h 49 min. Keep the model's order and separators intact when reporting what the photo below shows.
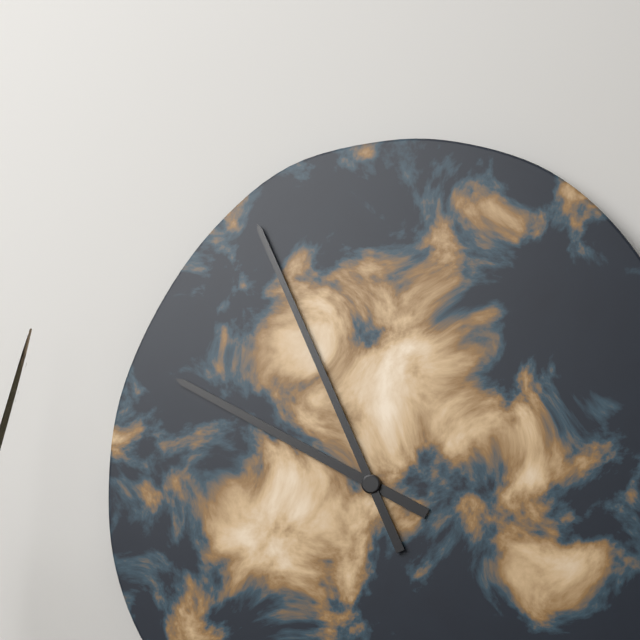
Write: 9 h 56 min
